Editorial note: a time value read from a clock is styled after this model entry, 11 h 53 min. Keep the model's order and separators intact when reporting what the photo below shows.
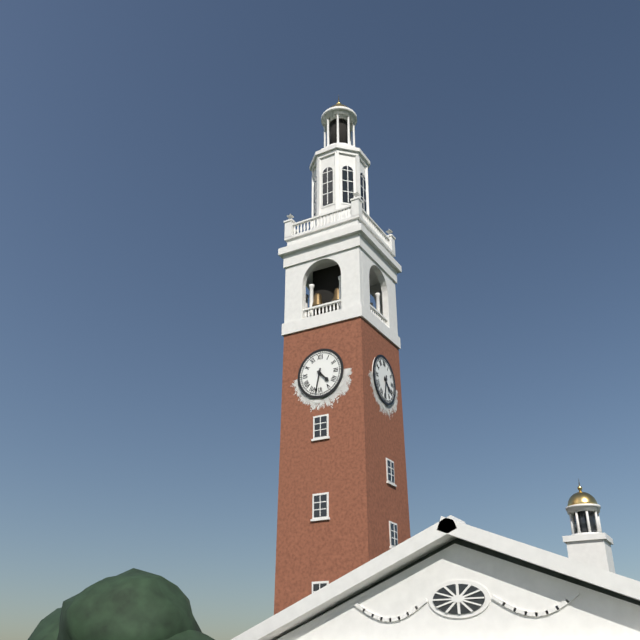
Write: 4 h 32 min
